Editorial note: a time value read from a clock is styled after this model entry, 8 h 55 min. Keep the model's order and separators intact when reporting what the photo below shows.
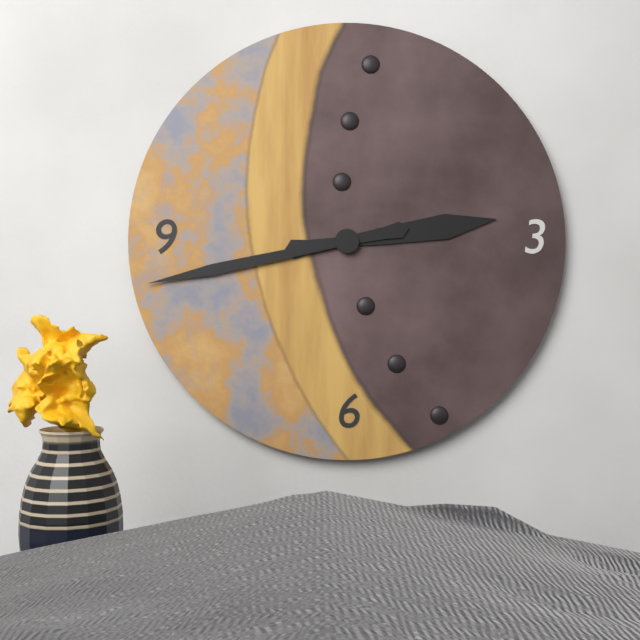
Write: 2 h 43 min
